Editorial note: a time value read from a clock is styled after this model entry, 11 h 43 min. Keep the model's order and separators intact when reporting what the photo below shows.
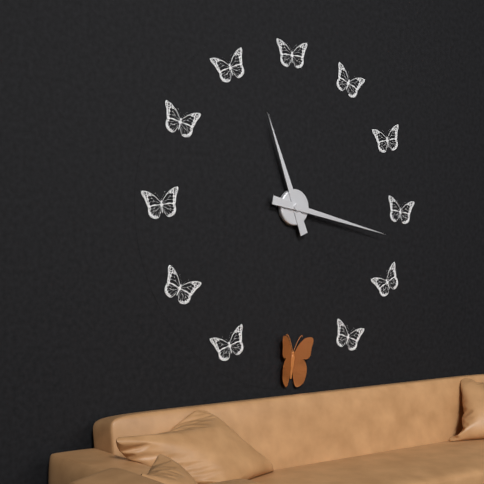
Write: 11 h 17 min
